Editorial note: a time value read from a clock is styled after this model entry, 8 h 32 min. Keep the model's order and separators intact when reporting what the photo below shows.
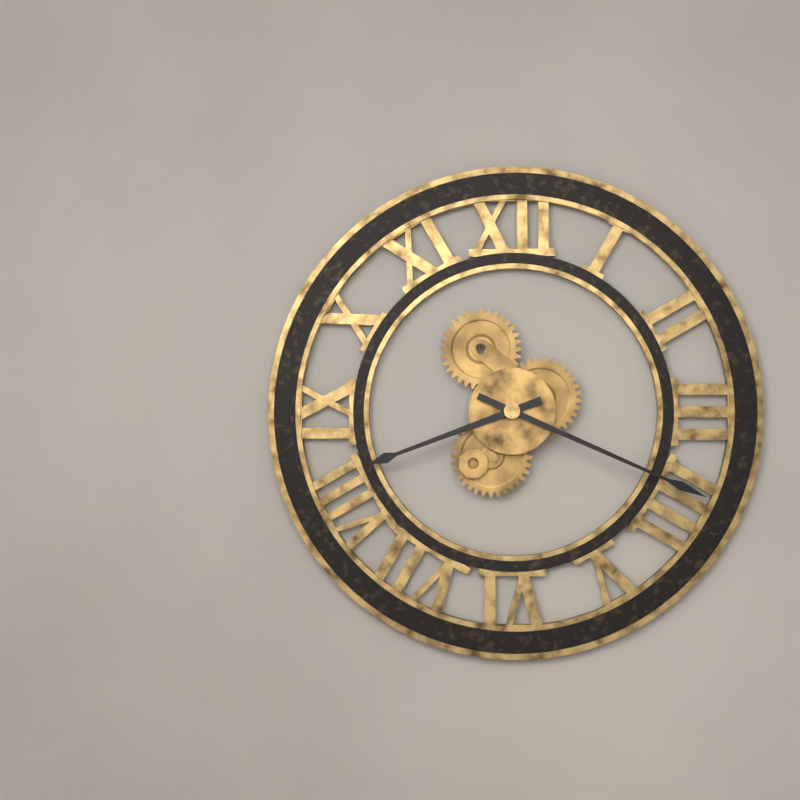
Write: 8 h 19 min
